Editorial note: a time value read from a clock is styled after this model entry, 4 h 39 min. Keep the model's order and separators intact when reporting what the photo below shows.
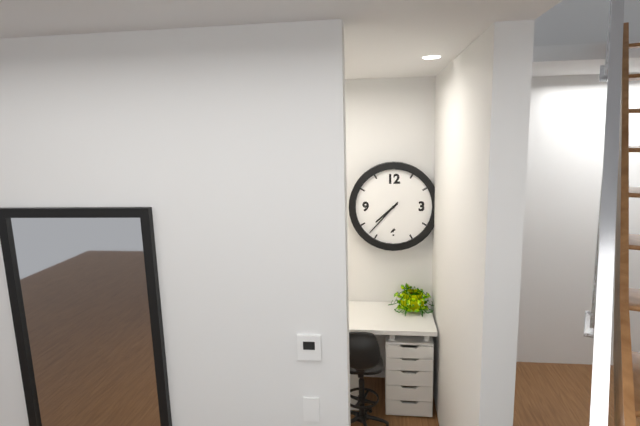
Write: 7 h 37 min
